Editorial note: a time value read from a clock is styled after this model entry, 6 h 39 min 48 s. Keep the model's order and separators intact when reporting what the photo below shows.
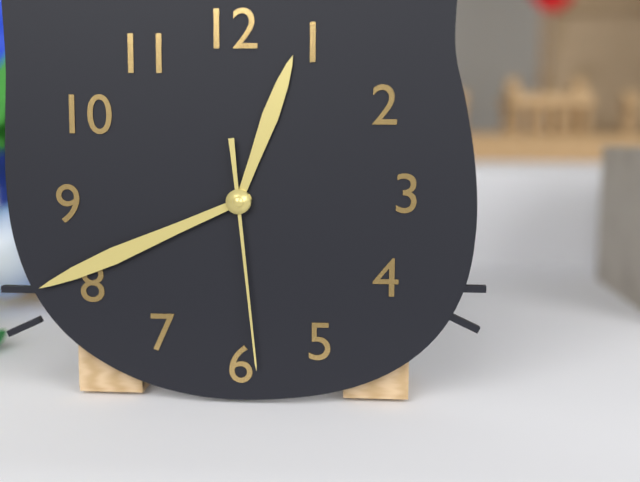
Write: 12 h 41 min 29 s
